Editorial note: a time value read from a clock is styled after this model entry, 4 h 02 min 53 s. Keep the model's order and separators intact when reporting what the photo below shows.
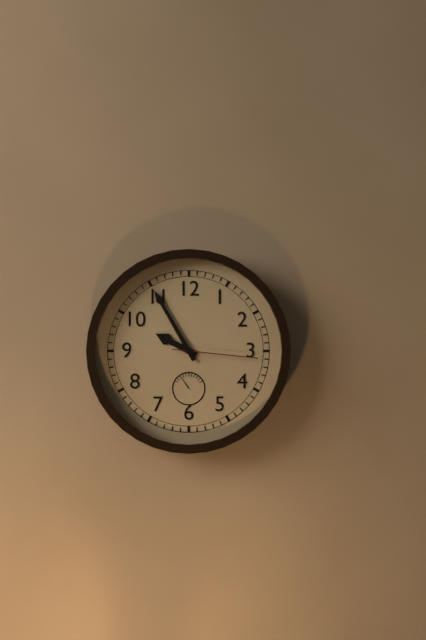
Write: 9 h 55 min 16 s
